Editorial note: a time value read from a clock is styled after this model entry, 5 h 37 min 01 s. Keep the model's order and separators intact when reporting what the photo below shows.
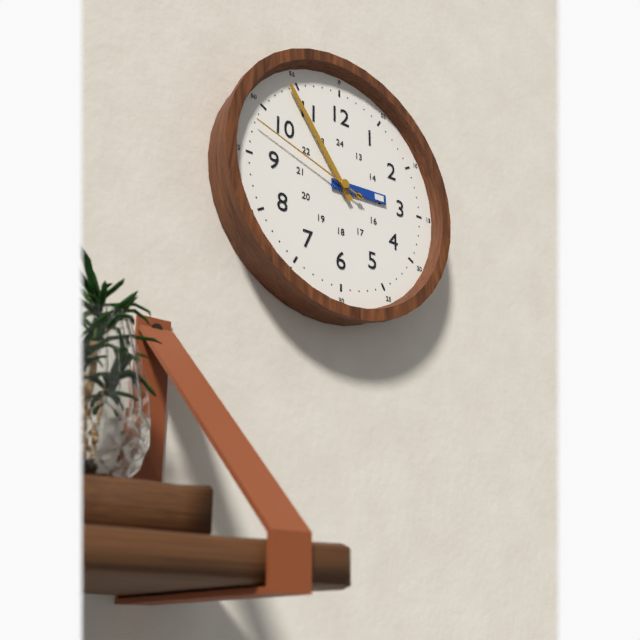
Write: 2 h 54 min 48 s
